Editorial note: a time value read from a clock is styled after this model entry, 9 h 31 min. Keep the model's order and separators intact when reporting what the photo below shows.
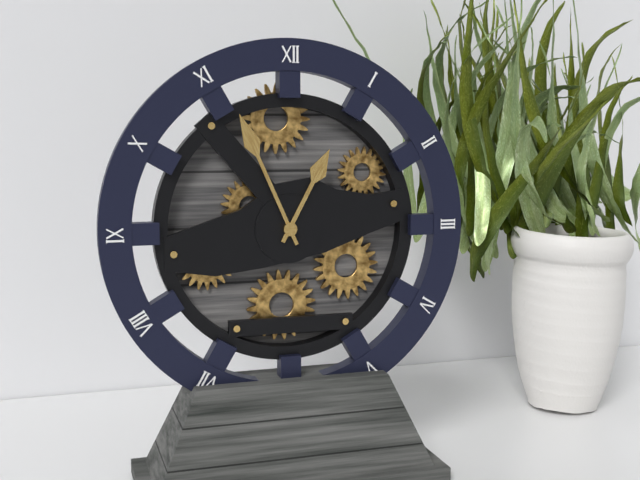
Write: 12 h 56 min
